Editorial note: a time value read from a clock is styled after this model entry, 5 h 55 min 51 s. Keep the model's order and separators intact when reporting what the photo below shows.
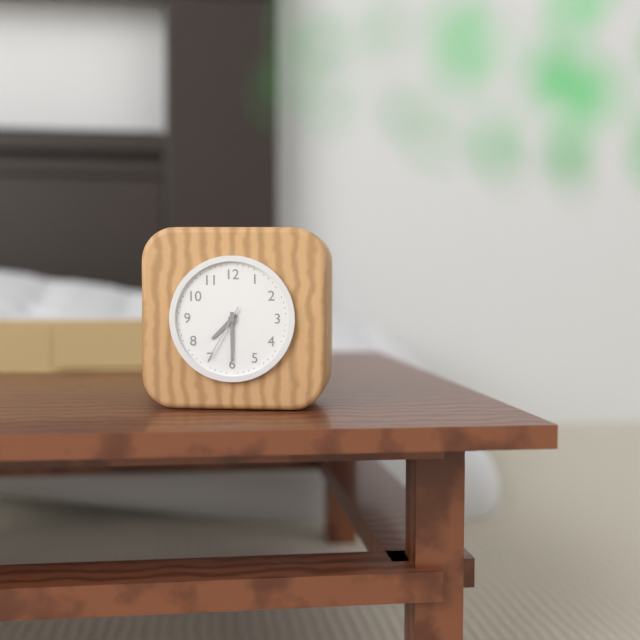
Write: 7 h 30 min 35 s
